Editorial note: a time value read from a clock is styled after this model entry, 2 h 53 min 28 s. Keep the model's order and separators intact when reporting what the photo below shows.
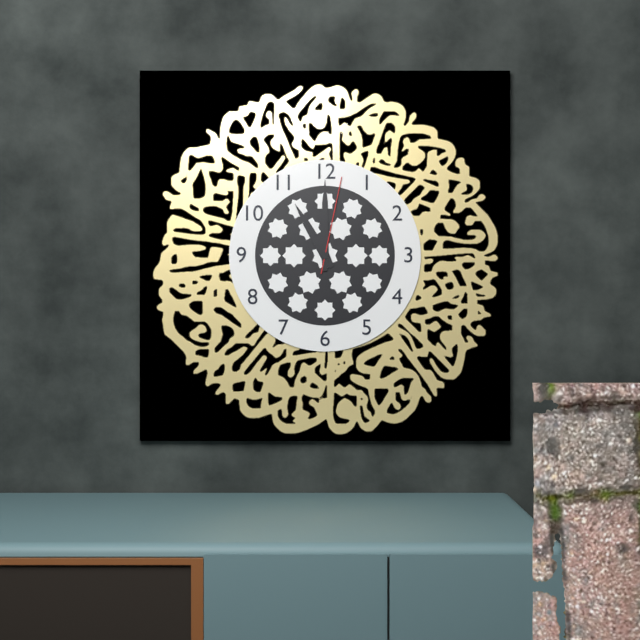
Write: 11 h 00 min 02 s
